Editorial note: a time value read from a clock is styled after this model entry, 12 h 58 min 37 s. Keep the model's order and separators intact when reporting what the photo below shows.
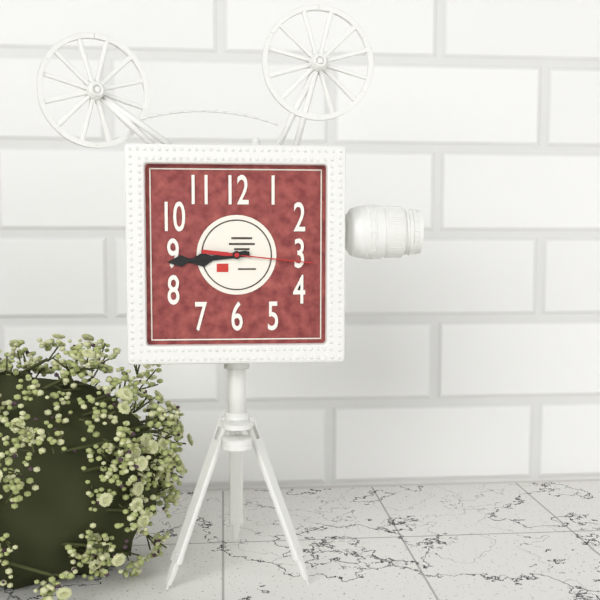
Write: 8 h 44 min 16 s
